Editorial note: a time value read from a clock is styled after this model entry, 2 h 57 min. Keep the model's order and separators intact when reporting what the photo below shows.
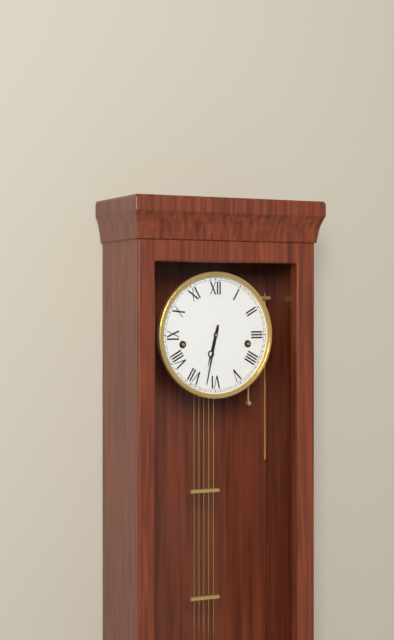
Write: 6 h 32 min
